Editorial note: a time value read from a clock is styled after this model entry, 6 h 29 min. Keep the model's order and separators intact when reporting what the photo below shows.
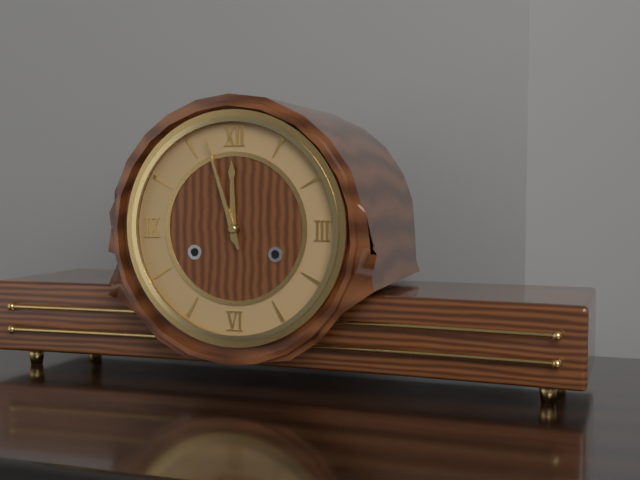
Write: 11 h 57 min
